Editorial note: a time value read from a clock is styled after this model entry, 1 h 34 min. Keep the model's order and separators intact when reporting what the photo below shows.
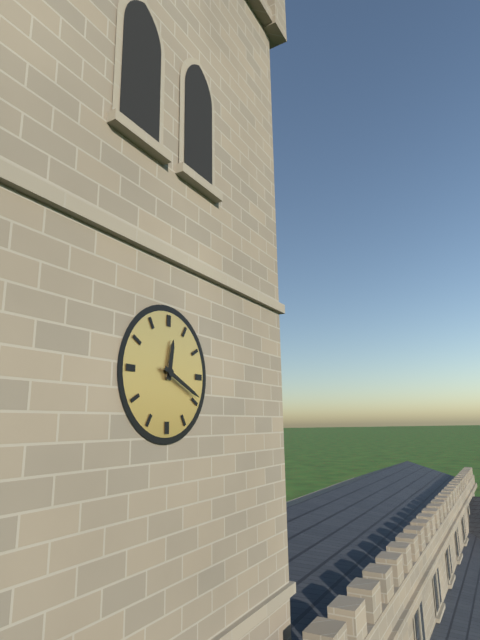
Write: 12 h 19 min
